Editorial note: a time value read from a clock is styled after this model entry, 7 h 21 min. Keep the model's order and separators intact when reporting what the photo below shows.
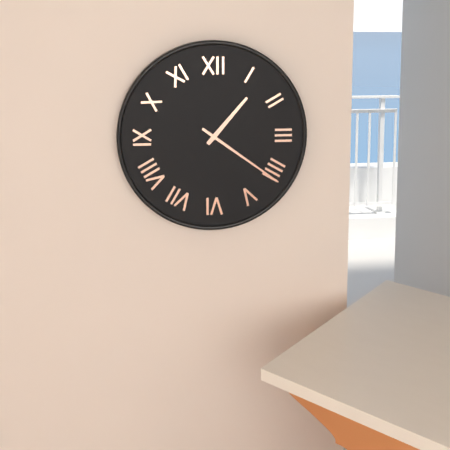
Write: 1 h 21 min
